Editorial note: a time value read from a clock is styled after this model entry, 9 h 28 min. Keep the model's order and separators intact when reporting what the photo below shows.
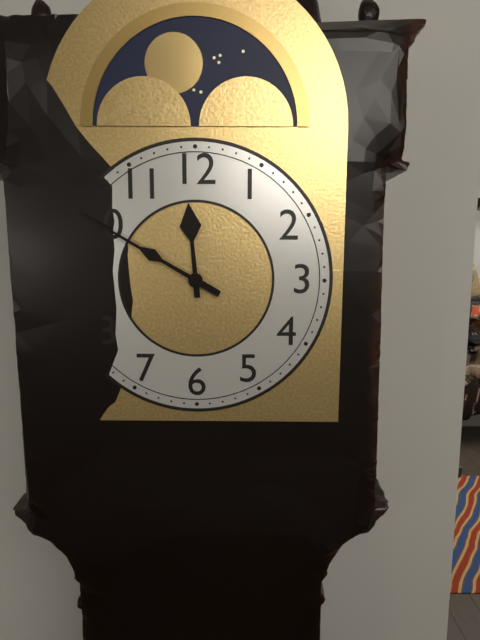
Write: 11 h 50 min
